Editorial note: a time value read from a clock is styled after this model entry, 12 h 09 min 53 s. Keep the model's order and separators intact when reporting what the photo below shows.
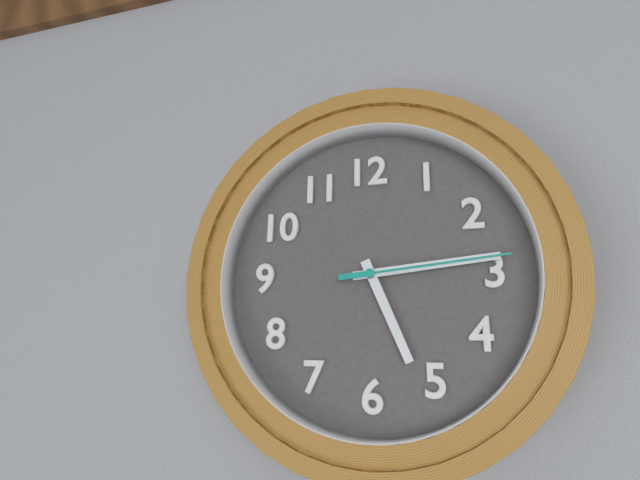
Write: 5 h 14 min 14 s
